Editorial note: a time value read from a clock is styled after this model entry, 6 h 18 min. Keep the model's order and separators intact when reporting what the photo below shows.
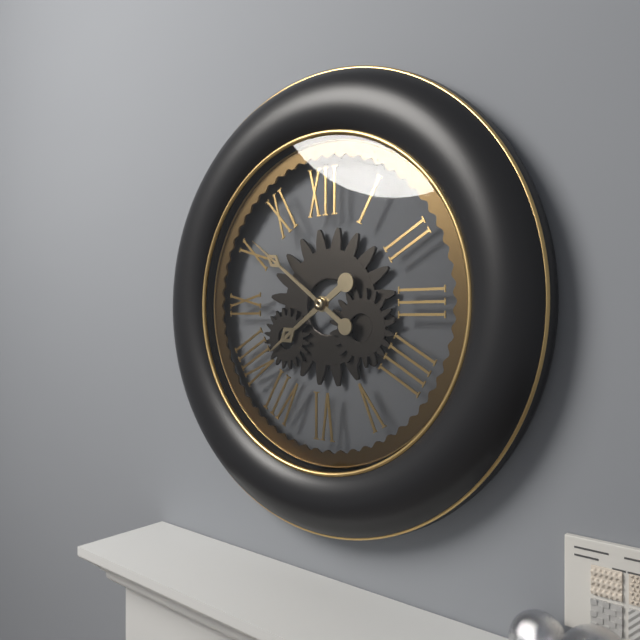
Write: 7 h 51 min
